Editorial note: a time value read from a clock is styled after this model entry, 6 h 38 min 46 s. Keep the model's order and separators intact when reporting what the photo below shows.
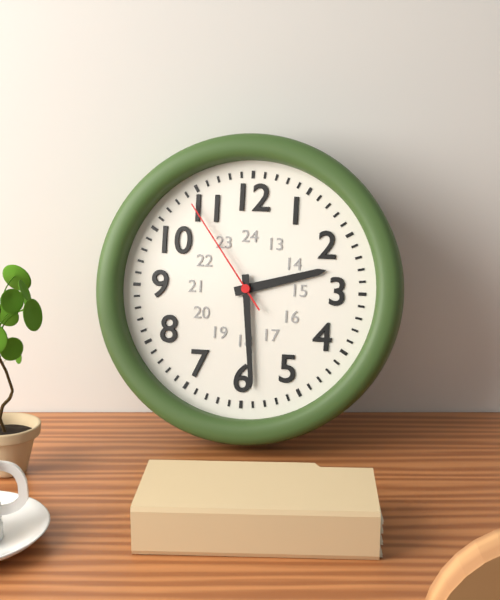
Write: 2 h 29 min 54 s
